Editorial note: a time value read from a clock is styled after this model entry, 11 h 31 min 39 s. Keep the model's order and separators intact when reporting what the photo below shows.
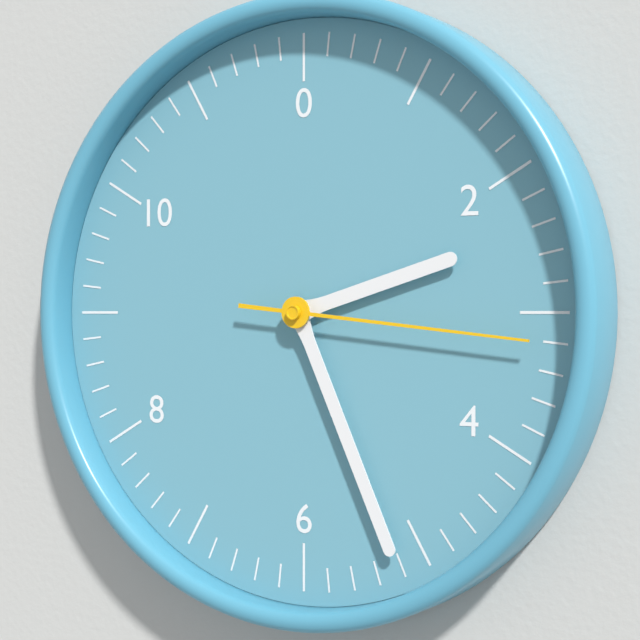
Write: 2 h 26 min 16 s
